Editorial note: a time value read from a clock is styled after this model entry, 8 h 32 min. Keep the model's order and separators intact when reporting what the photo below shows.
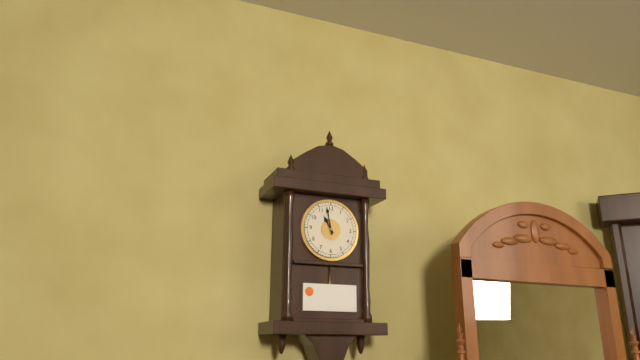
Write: 10 h 58 min
